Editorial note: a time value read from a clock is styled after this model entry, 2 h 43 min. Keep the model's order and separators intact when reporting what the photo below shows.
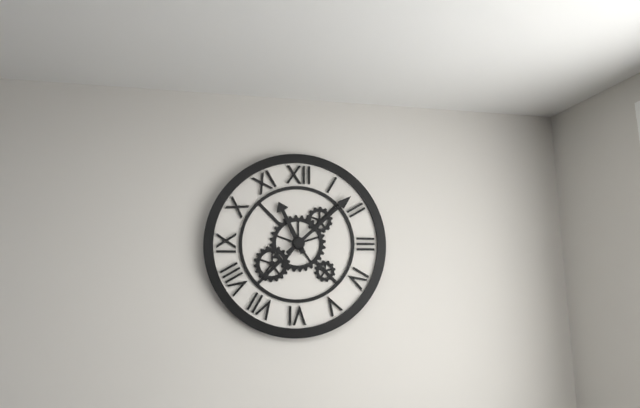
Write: 11 h 08 min
